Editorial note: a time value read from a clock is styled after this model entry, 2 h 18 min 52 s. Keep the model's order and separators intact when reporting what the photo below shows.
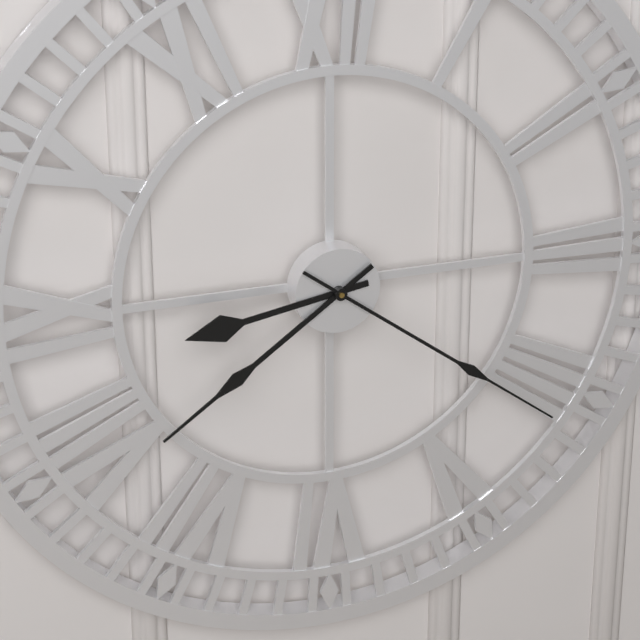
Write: 8 h 39 min 21 s
